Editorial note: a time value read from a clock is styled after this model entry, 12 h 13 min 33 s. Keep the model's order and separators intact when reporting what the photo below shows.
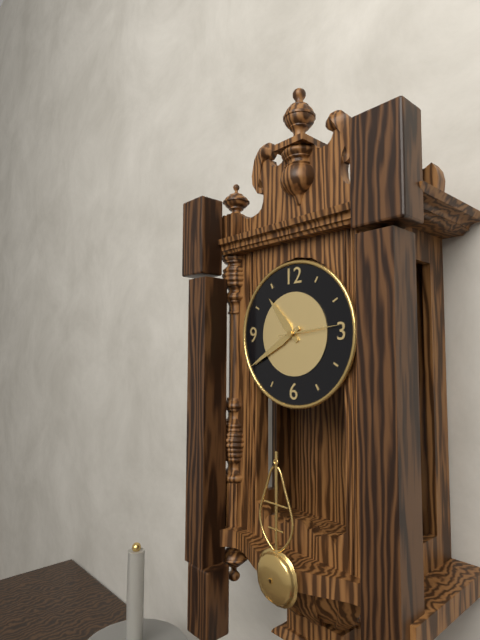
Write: 10 h 40 min 14 s
